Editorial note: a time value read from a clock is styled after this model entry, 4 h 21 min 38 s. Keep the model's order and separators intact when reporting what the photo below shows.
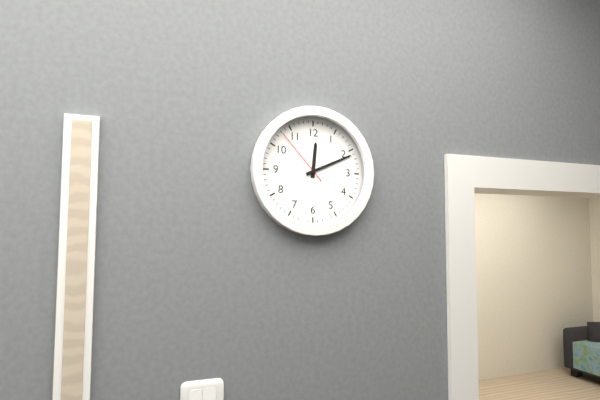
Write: 12 h 11 min 53 s
